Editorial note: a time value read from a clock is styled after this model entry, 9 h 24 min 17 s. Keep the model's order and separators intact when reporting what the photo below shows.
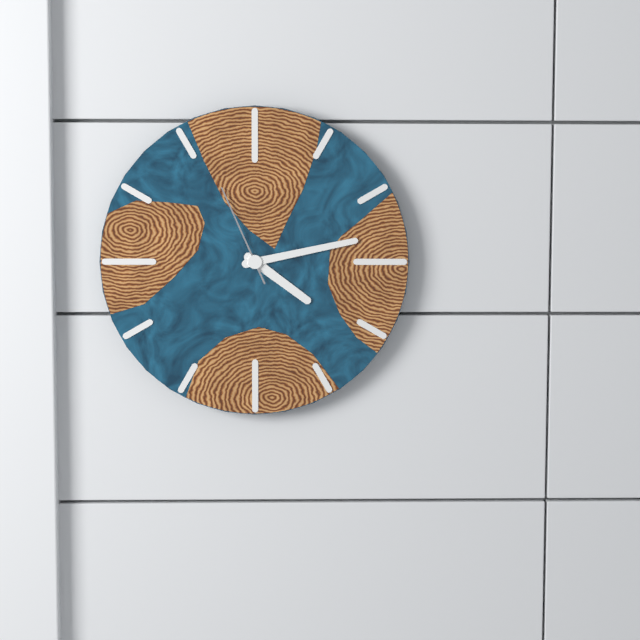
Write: 4 h 13 min 56 s
